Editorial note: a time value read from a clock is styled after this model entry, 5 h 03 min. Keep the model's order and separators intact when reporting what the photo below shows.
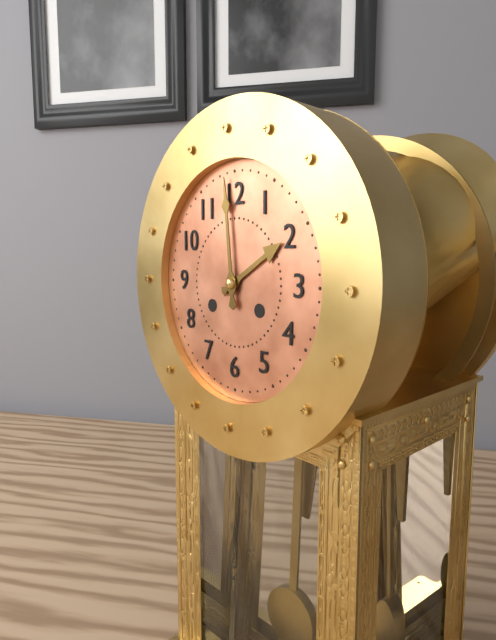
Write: 1 h 59 min
